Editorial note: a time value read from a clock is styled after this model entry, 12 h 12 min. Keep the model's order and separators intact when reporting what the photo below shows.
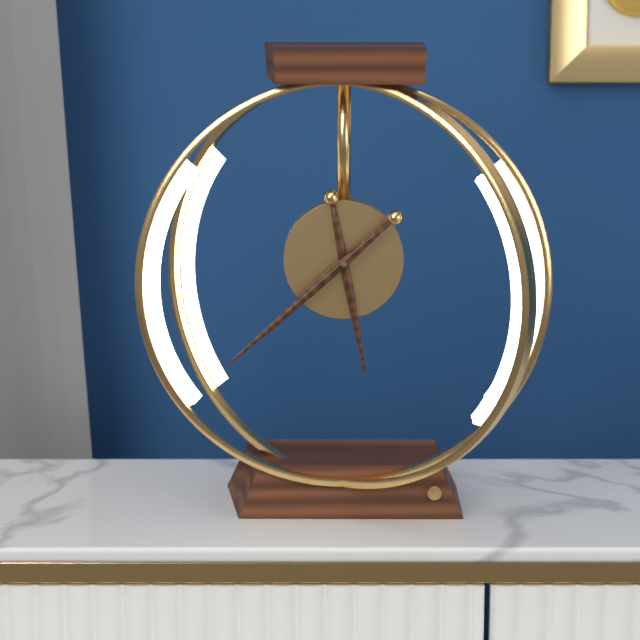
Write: 5 h 38 min
